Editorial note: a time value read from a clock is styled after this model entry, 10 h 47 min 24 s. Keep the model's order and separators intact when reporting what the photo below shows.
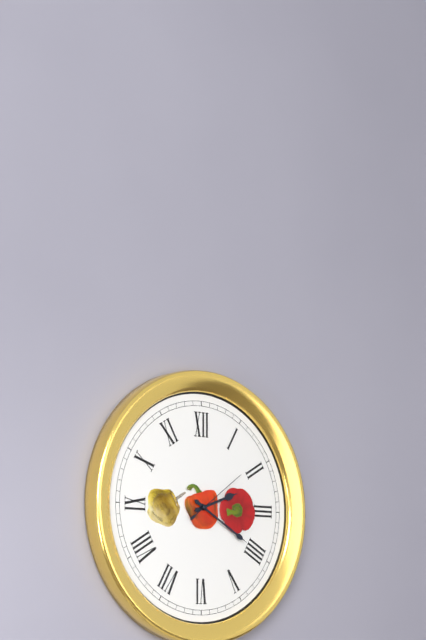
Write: 2 h 20 min 09 s
